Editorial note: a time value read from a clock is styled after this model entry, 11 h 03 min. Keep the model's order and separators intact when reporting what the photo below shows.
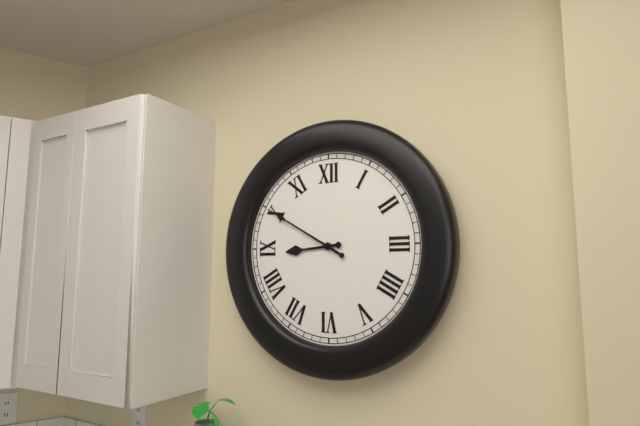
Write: 8 h 50 min
